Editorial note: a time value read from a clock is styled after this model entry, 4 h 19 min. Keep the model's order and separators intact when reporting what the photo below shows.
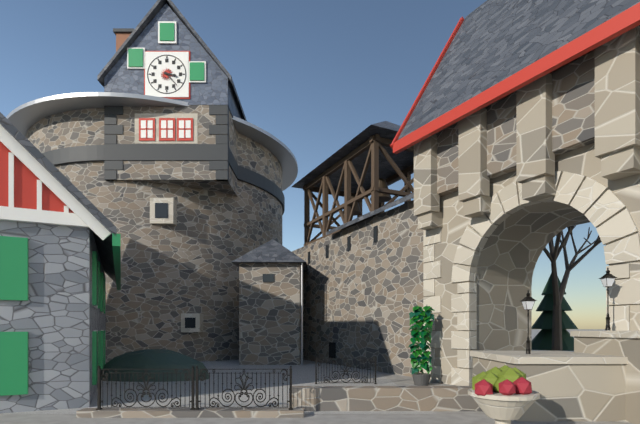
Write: 3 h 23 min
